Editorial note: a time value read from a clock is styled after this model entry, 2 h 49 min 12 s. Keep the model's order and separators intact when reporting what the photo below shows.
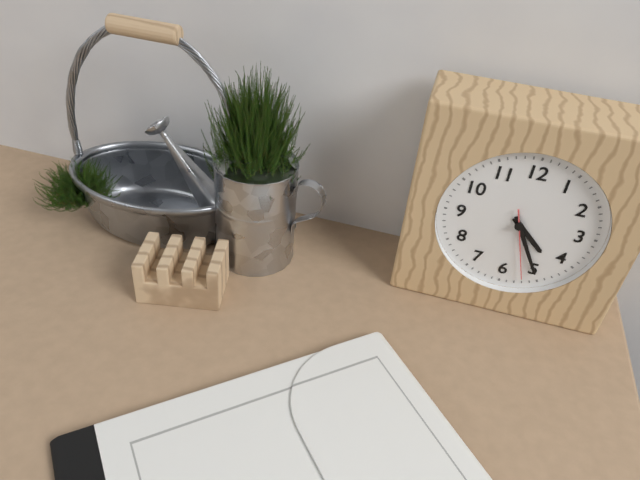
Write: 4 h 25 min 27 s
